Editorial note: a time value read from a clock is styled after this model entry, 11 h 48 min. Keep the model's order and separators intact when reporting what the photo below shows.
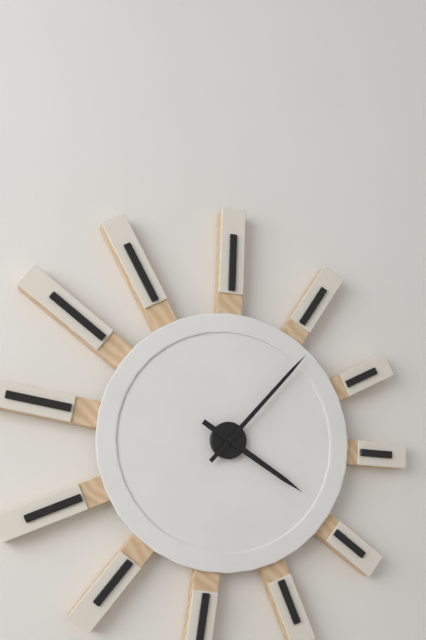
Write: 4 h 07 min
